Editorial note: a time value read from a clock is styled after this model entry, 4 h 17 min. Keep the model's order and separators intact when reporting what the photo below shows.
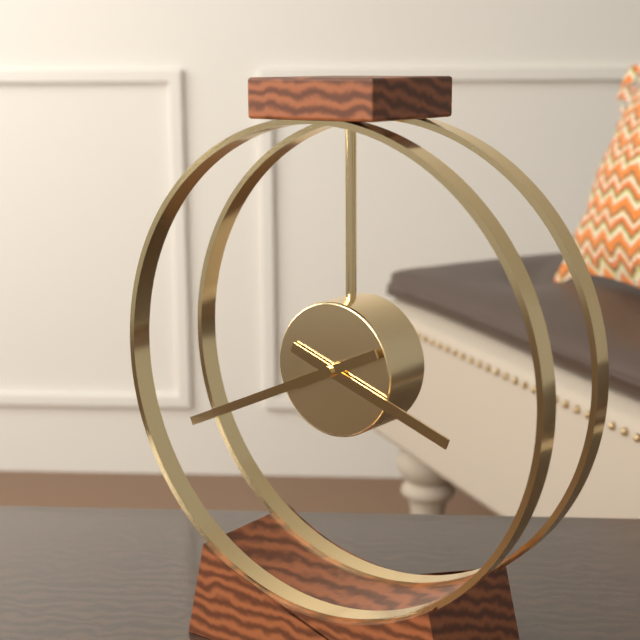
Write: 3 h 41 min
